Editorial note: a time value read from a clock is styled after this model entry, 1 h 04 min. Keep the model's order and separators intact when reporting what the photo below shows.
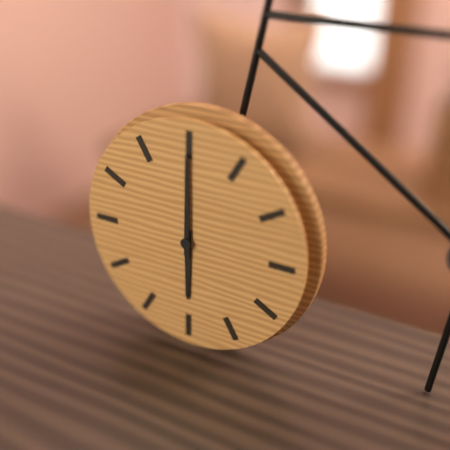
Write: 6 h 00 min
